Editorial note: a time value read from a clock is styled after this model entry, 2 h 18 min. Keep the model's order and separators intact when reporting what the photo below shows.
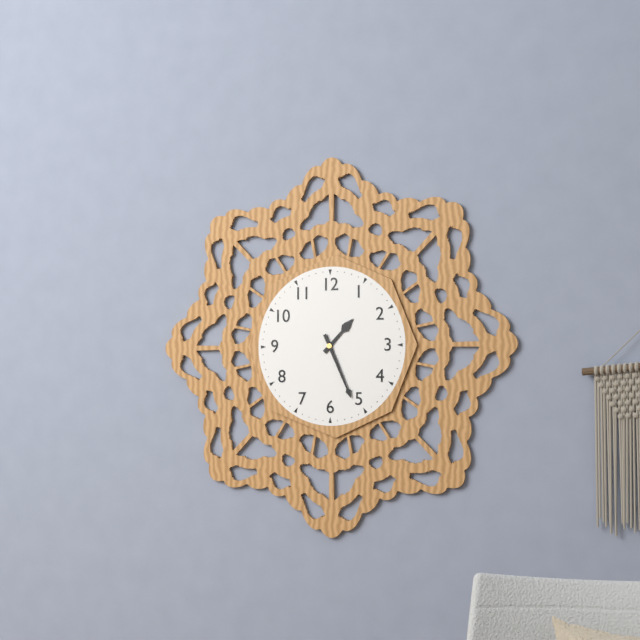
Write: 1 h 26 min
